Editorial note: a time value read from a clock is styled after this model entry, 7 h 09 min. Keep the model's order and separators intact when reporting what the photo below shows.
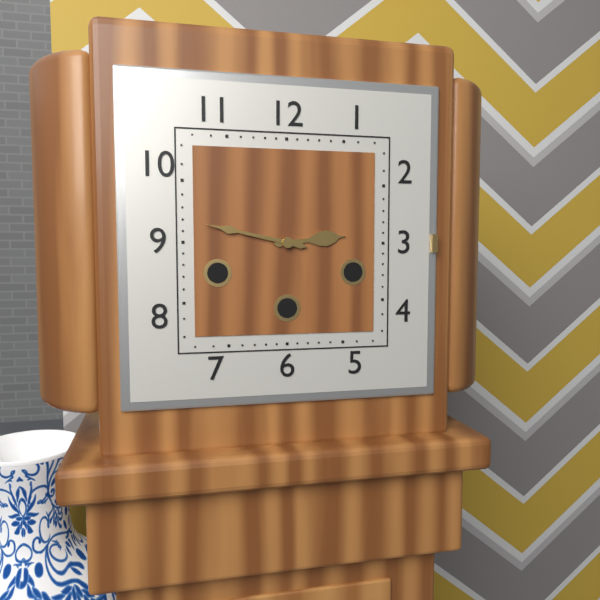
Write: 2 h 47 min
